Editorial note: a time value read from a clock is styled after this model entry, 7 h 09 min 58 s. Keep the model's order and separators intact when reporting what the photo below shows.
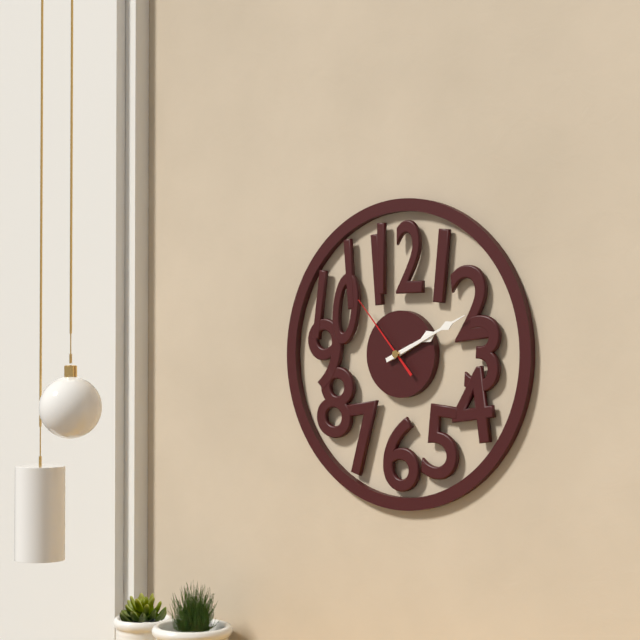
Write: 2 h 11 min 53 s
